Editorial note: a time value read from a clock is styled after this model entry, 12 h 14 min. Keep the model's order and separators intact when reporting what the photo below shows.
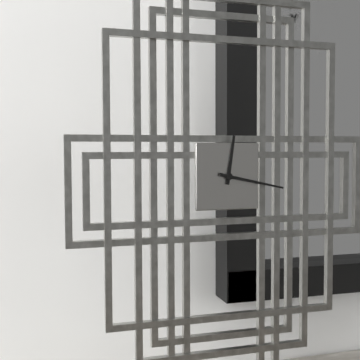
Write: 12 h 17 min
